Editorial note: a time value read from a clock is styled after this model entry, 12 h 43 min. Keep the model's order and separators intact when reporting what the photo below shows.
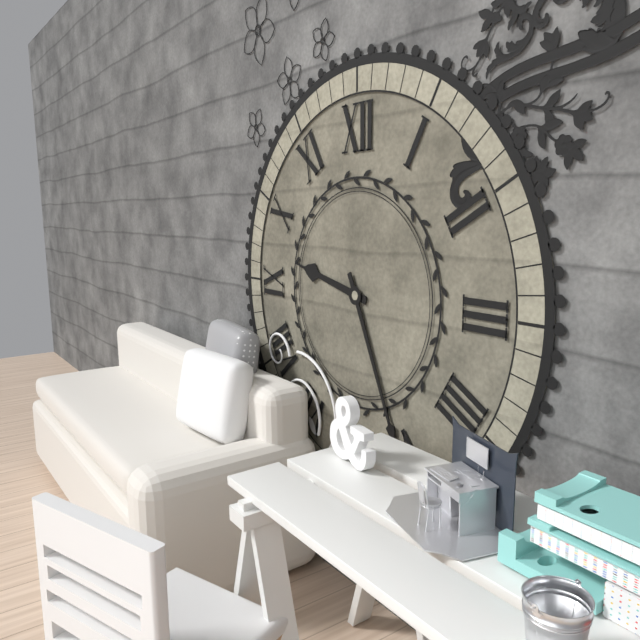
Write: 9 h 26 min
